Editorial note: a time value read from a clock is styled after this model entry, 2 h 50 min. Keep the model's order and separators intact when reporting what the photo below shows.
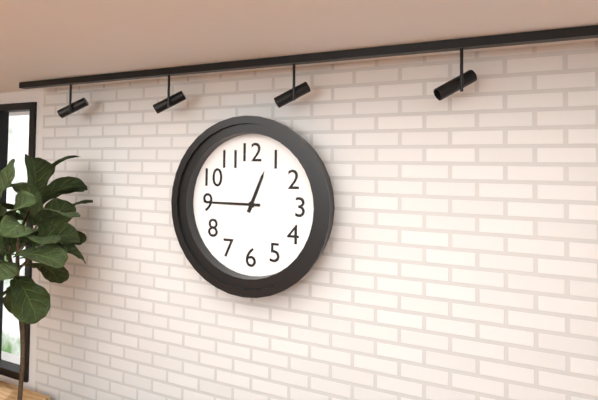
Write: 12 h 45 min
